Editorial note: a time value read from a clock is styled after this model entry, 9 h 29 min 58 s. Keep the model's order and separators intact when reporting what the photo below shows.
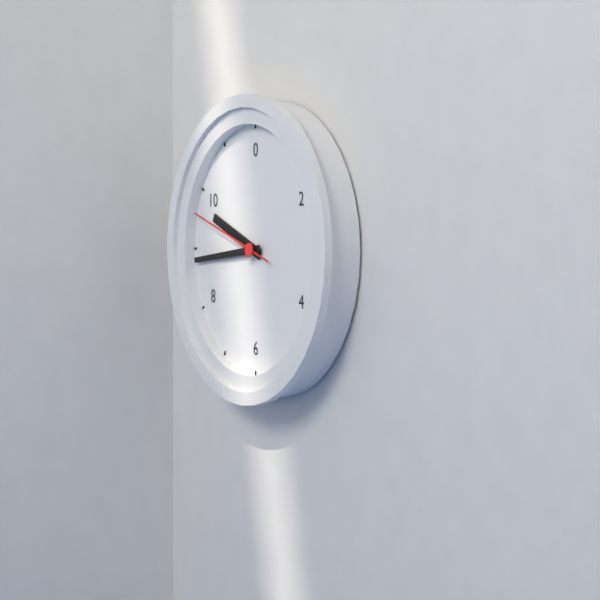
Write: 9 h 44 min 48 s
